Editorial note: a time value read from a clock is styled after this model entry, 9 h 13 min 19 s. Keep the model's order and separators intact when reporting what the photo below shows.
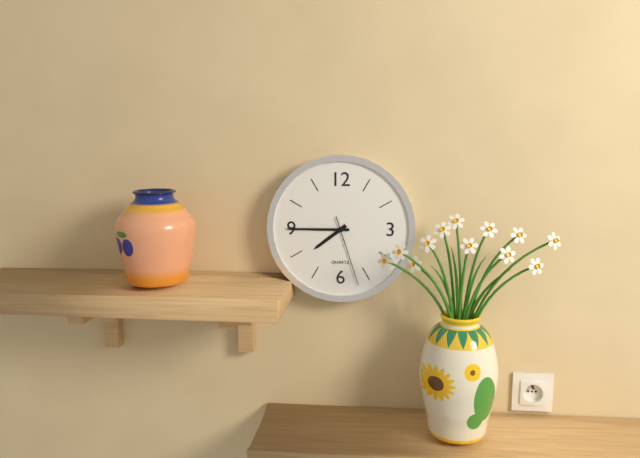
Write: 7 h 45 min 27 s
